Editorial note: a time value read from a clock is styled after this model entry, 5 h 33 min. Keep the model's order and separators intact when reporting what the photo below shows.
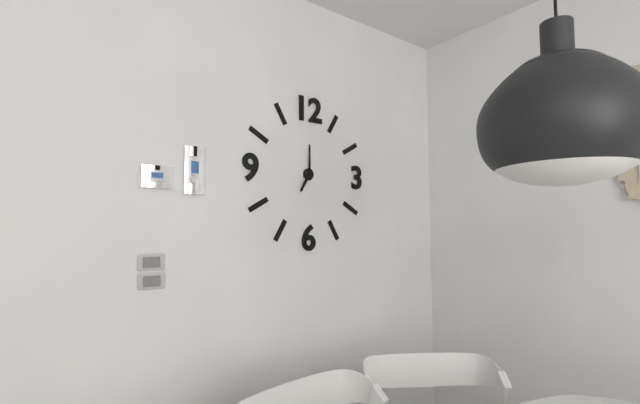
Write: 7 h 00 min
